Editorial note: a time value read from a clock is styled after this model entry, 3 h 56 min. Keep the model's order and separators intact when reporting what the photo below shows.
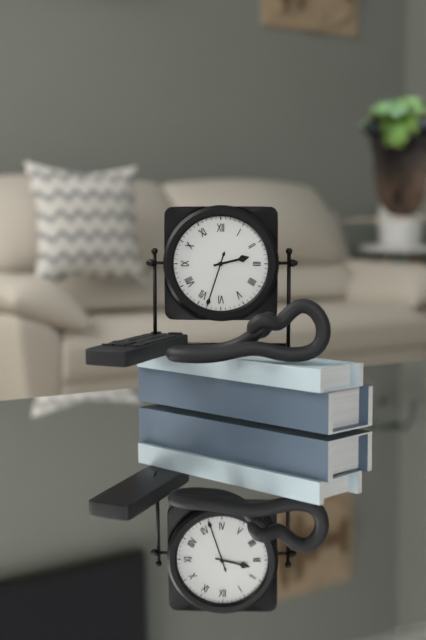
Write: 2 h 33 min
